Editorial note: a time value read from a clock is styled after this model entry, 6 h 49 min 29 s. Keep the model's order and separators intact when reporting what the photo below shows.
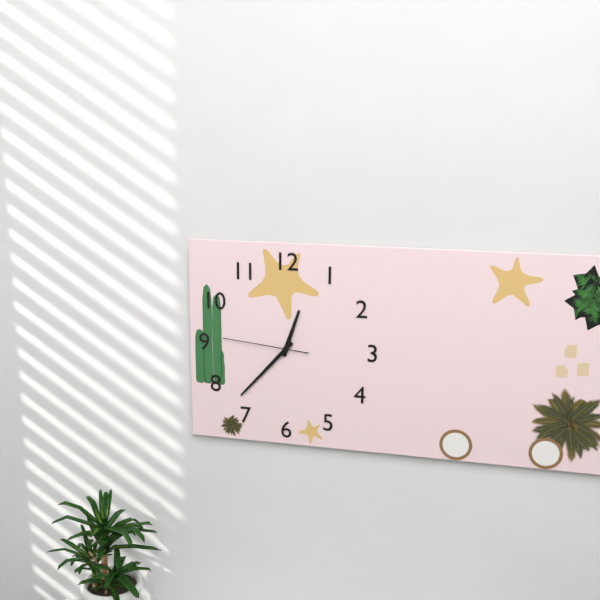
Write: 12 h 37 min 46 s
